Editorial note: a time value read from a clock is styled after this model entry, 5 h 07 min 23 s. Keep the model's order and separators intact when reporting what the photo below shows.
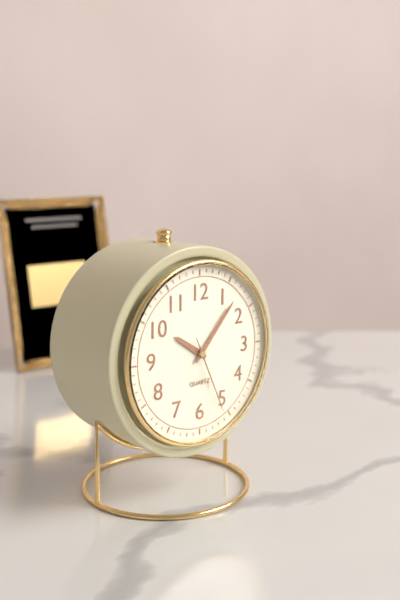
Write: 10 h 07 min 26 s
